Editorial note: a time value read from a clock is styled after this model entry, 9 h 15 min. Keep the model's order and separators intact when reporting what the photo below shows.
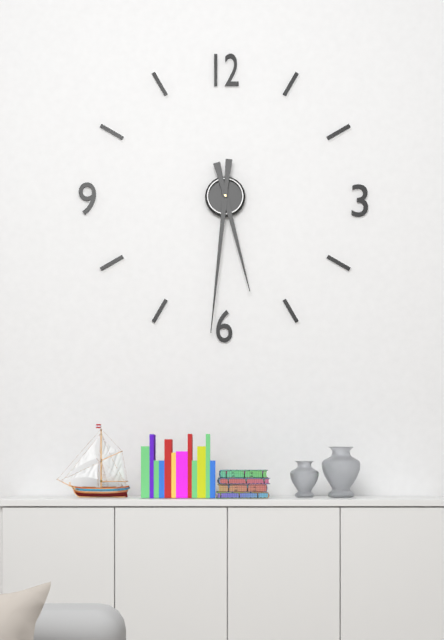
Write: 5 h 31 min
